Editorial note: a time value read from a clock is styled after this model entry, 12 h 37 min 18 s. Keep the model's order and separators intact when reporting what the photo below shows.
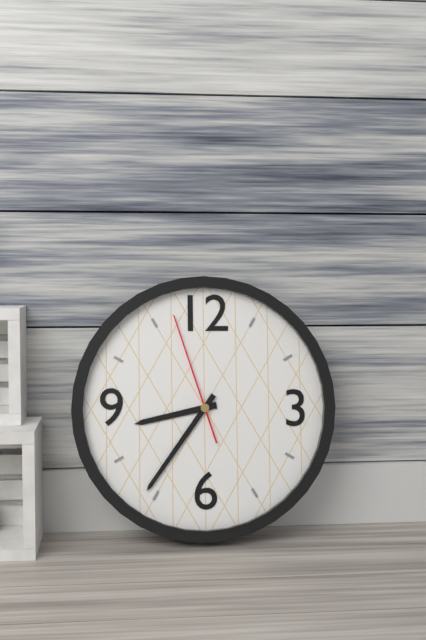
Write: 8 h 36 min 57 s
